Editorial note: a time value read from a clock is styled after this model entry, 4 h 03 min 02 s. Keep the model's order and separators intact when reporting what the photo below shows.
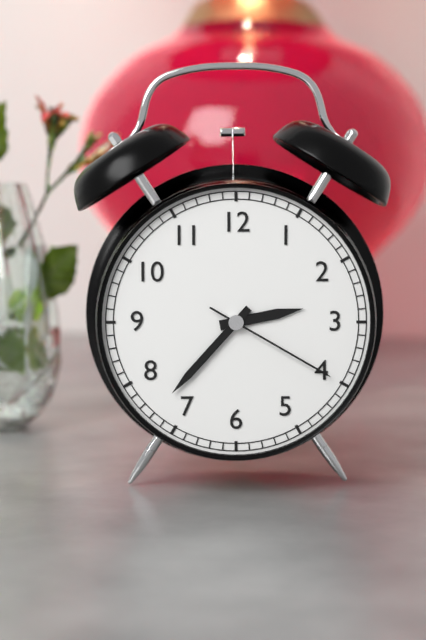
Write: 2 h 37 min 20 s
